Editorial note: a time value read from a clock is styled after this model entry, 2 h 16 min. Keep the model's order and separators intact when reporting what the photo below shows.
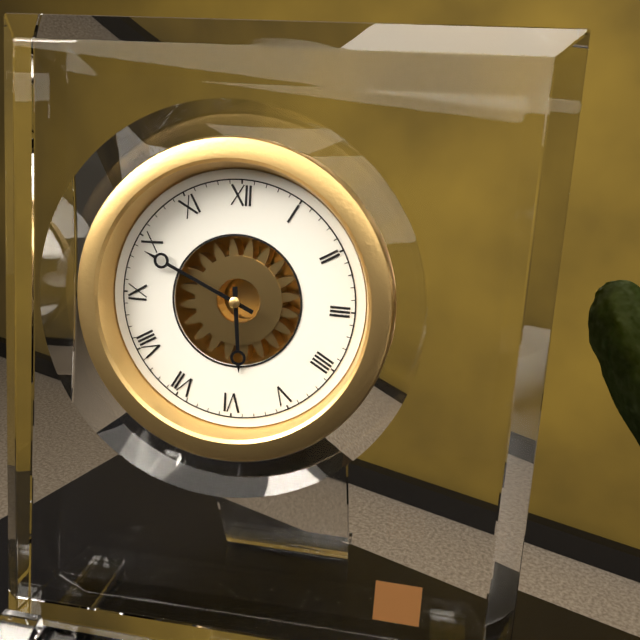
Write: 5 h 49 min
